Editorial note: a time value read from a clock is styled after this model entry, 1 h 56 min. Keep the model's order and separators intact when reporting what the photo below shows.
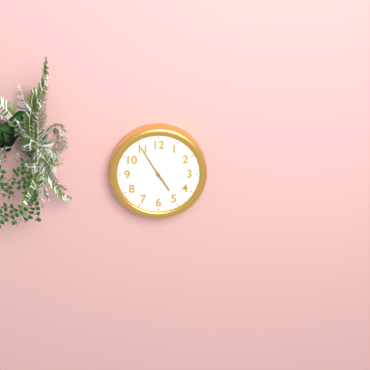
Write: 4 h 55 min
